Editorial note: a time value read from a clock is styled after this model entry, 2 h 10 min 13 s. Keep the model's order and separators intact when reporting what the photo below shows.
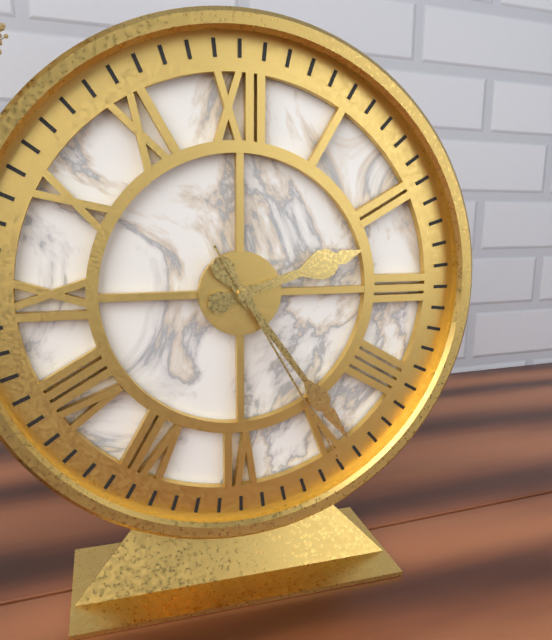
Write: 2 h 24 min 25 s
